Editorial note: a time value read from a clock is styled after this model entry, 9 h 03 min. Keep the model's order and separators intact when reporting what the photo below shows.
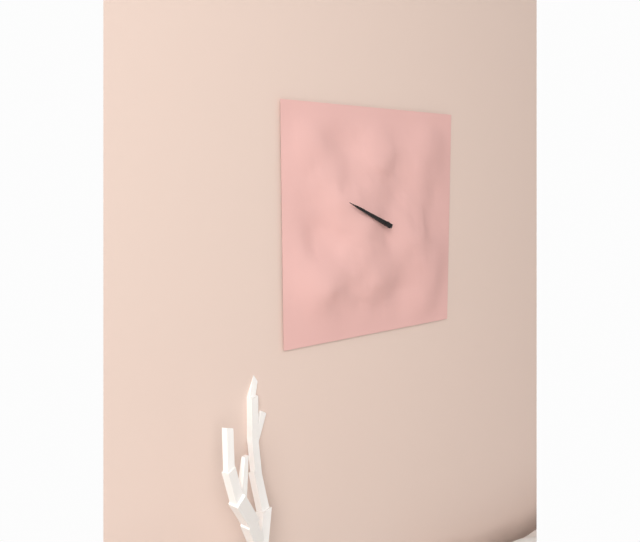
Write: 9 h 49 min
